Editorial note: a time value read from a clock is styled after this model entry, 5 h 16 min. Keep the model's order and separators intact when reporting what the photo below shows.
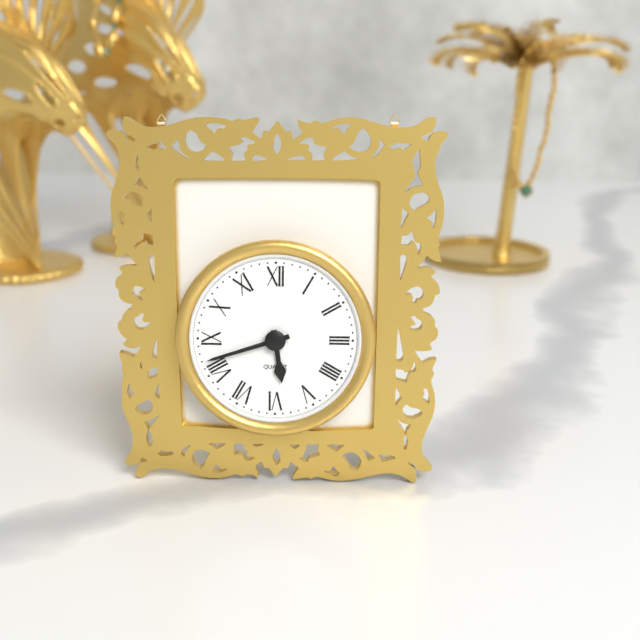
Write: 5 h 42 min
